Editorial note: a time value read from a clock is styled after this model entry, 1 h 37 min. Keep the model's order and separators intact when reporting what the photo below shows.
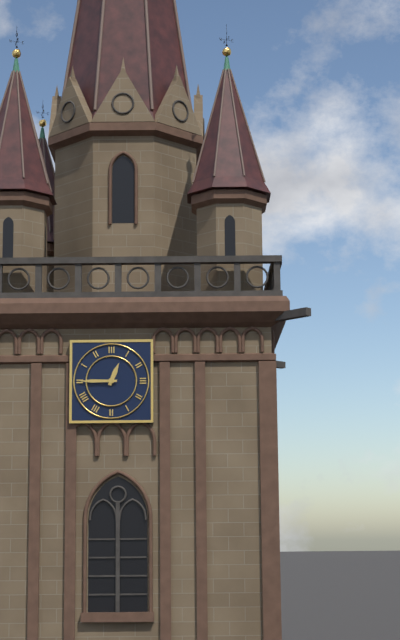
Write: 12 h 45 min
